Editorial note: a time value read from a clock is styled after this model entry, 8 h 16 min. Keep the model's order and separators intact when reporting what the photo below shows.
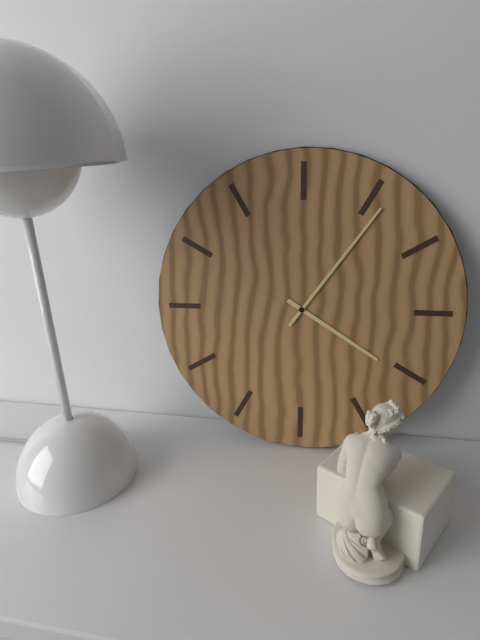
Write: 4 h 06 min
